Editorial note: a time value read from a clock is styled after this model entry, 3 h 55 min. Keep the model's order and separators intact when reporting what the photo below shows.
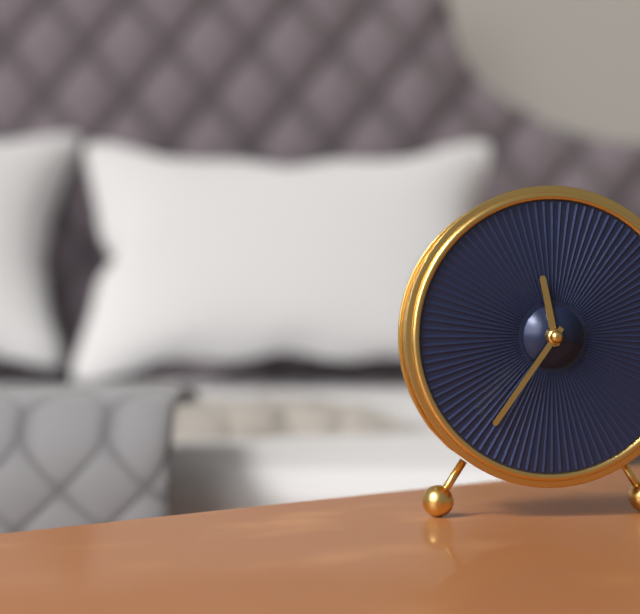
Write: 11 h 36 min
